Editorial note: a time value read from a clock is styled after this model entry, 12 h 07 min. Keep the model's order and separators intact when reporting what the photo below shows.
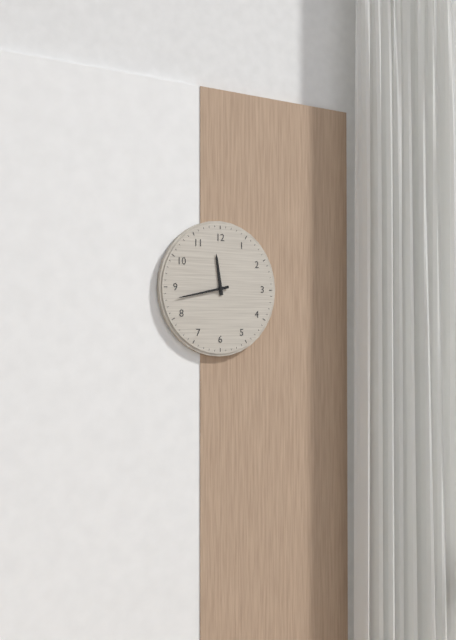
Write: 11 h 43 min
